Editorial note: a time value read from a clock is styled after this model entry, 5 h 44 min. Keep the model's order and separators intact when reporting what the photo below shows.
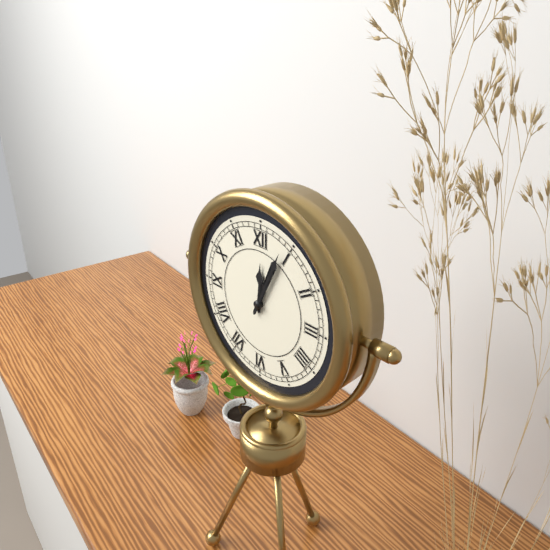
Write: 12 h 04 min
